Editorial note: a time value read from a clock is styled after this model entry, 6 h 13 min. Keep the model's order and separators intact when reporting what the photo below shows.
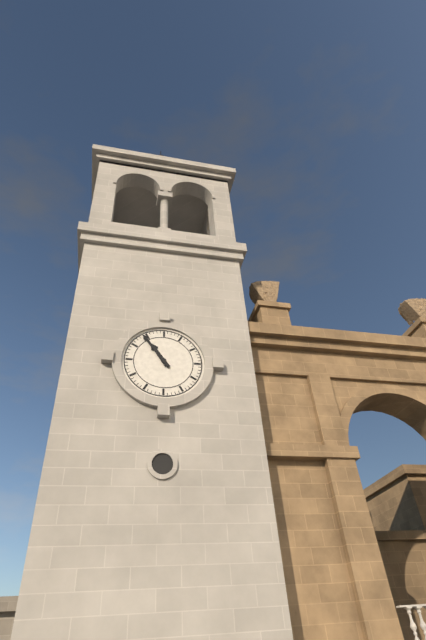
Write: 10 h 54 min
